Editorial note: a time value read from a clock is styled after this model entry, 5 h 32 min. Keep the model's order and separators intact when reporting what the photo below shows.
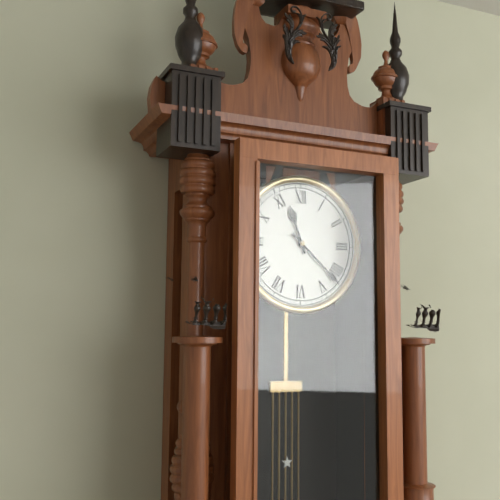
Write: 11 h 22 min
